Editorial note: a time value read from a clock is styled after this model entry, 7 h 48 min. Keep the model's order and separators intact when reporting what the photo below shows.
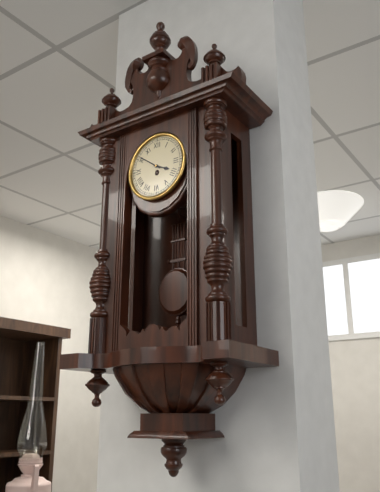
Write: 3 h 51 min
